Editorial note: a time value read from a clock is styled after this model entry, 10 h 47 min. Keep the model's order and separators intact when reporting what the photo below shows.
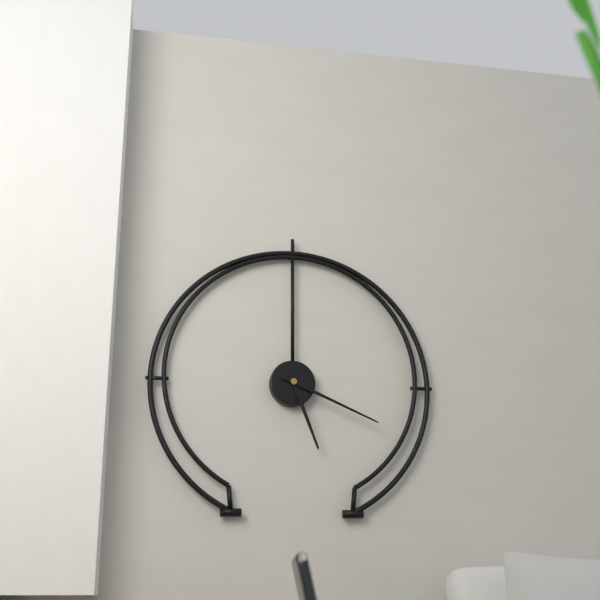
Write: 5 h 19 min
